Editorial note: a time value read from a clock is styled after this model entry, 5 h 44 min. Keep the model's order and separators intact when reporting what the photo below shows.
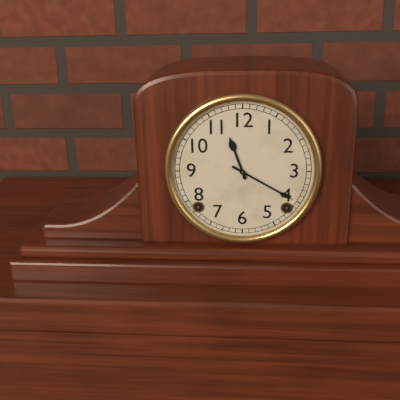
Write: 11 h 20 min
